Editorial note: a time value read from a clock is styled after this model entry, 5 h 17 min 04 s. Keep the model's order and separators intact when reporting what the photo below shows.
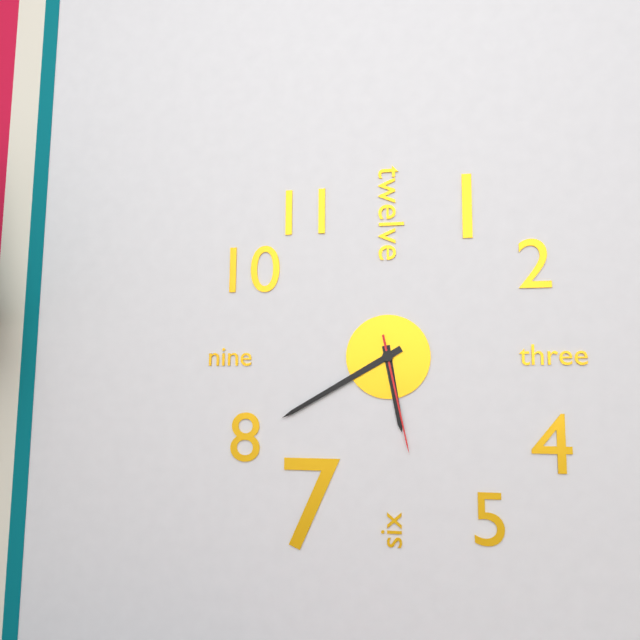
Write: 5 h 40 min 28 s
